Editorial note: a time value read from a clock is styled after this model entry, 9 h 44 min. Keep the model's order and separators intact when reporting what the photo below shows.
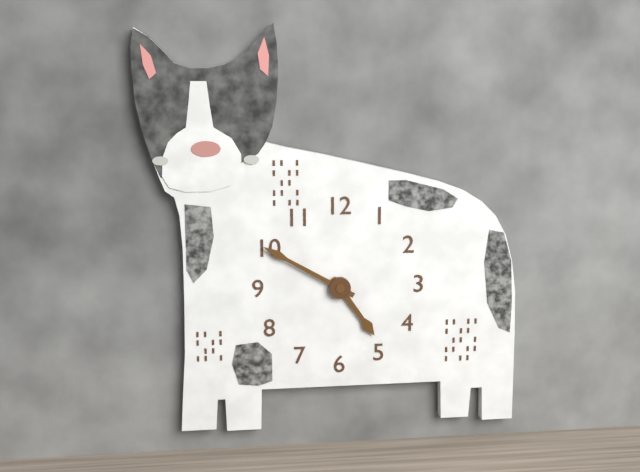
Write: 4 h 50 min
